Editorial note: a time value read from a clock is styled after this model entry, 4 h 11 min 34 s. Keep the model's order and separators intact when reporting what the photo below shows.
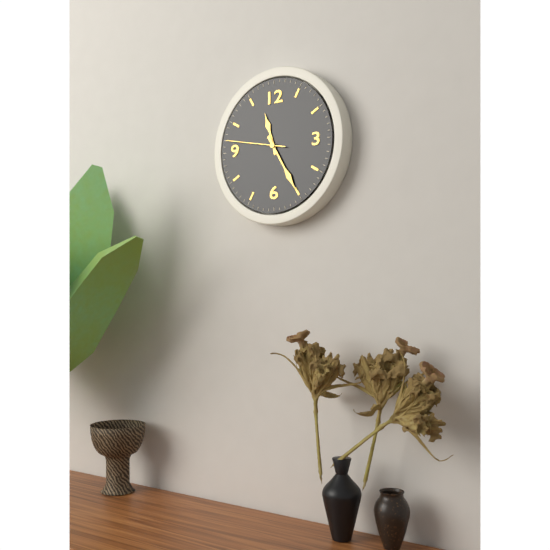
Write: 11 h 25 min 47 s
